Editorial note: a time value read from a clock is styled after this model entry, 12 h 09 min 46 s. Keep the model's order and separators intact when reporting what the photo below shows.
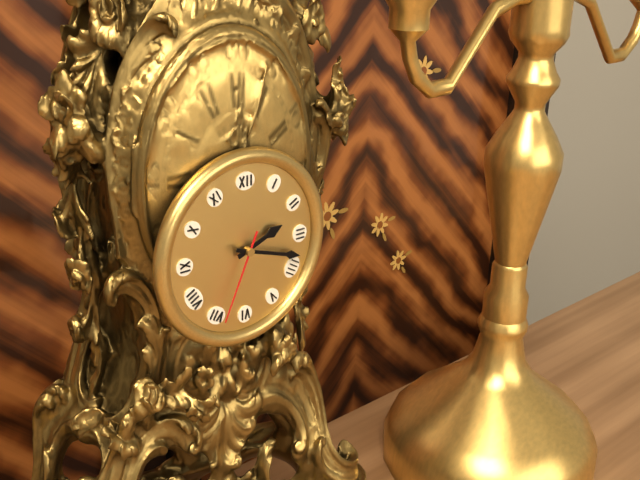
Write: 2 h 18 min 34 s
